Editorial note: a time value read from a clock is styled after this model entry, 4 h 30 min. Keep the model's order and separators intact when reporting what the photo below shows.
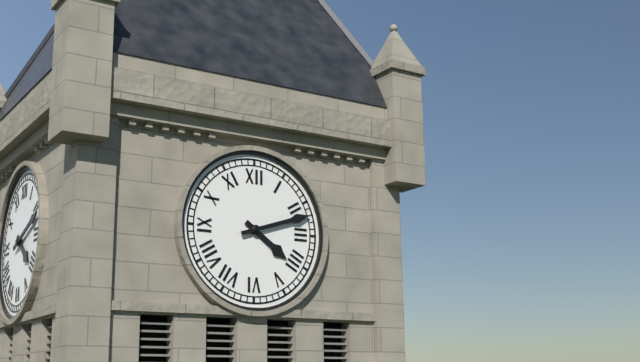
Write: 4 h 12 min
